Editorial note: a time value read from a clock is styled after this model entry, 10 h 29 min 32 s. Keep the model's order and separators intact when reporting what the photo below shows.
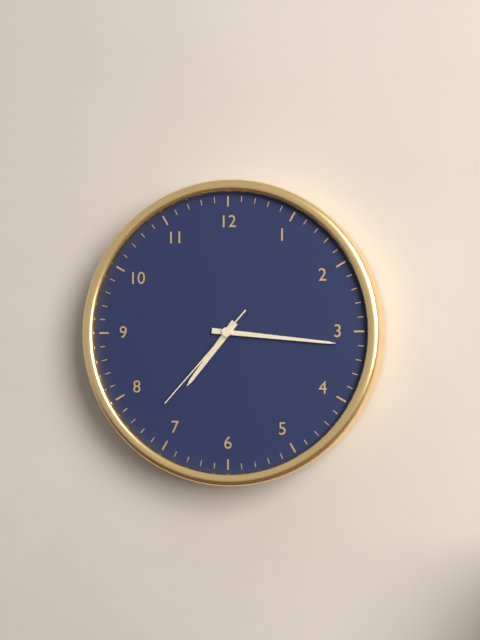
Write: 7 h 16 min 37 s
